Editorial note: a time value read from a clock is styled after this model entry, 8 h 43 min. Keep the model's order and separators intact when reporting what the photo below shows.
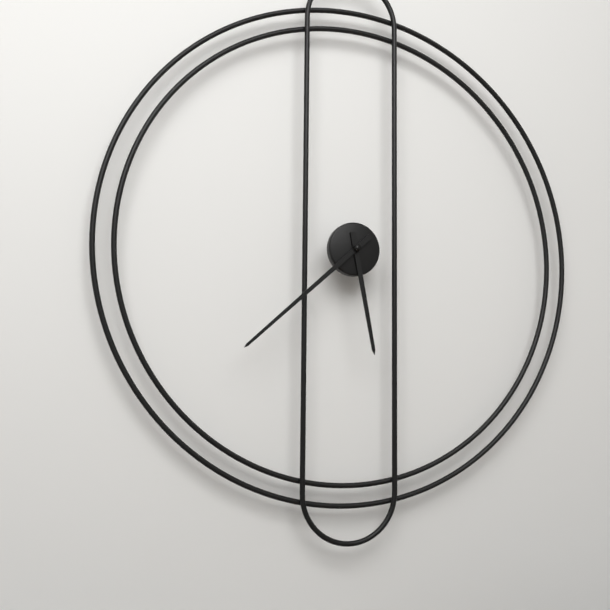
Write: 5 h 38 min
